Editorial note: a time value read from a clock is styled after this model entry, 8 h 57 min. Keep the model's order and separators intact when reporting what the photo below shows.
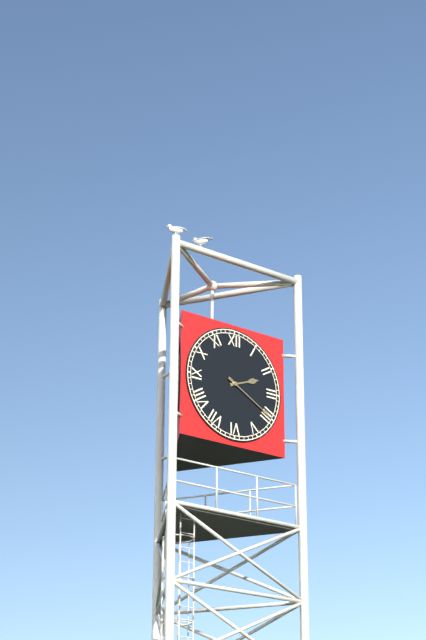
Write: 2 h 20 min
